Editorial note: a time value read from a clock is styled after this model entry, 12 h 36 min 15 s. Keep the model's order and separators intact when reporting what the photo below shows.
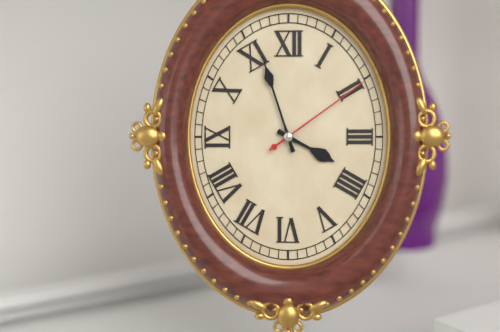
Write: 3 h 57 min 09 s
